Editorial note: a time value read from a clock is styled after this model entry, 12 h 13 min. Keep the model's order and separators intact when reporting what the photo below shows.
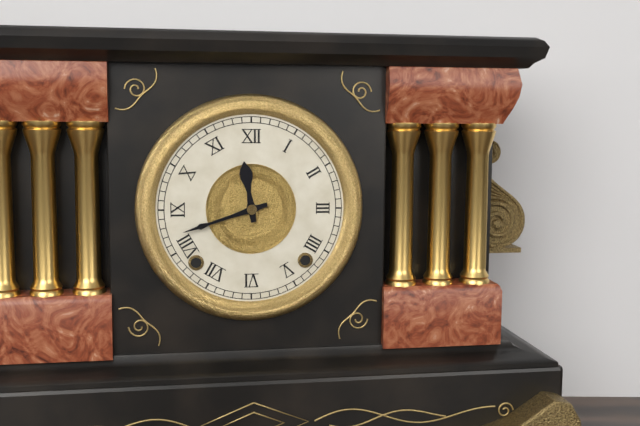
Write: 11 h 42 min
